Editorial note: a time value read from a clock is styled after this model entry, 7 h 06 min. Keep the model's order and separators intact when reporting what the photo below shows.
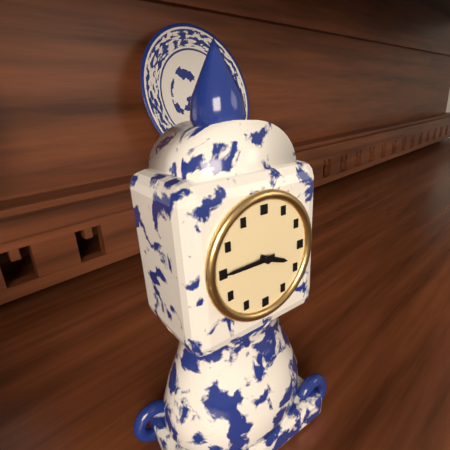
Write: 3 h 45 min
